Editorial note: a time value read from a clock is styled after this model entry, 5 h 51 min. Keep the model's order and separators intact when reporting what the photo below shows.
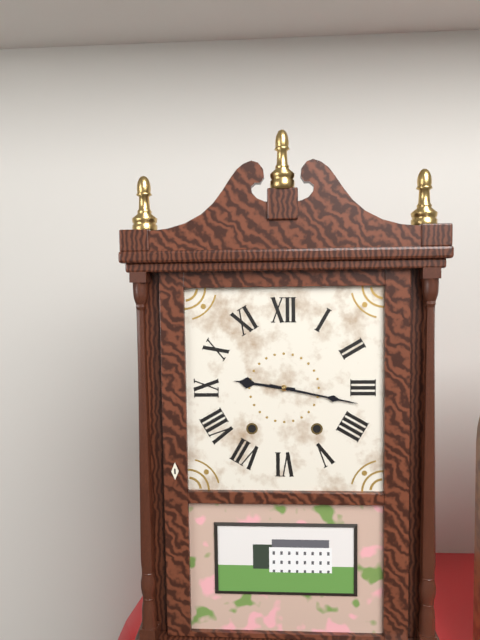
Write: 9 h 17 min
